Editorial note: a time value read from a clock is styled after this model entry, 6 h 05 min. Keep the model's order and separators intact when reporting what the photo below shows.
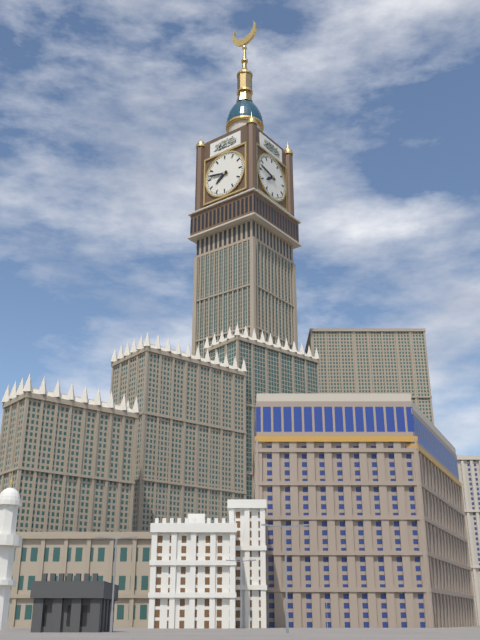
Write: 7 h 47 min
